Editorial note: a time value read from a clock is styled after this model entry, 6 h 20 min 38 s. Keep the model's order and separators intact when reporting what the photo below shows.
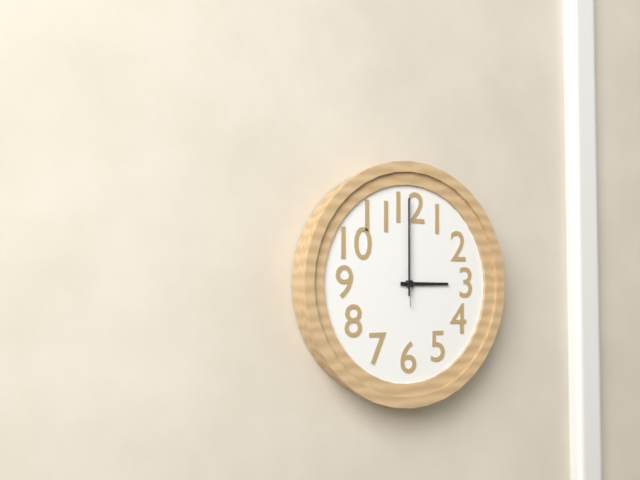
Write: 3 h 00 min 00 s
